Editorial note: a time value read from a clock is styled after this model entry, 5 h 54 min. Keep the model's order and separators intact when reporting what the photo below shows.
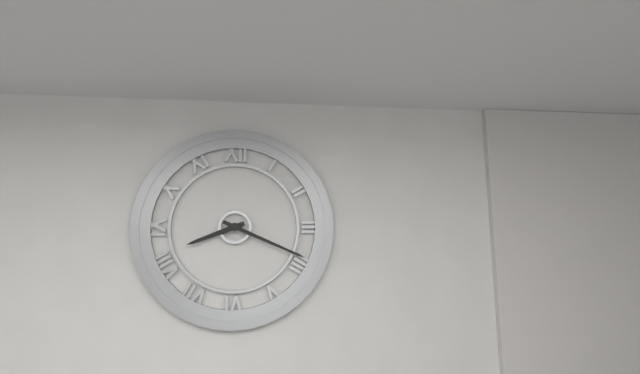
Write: 8 h 19 min
